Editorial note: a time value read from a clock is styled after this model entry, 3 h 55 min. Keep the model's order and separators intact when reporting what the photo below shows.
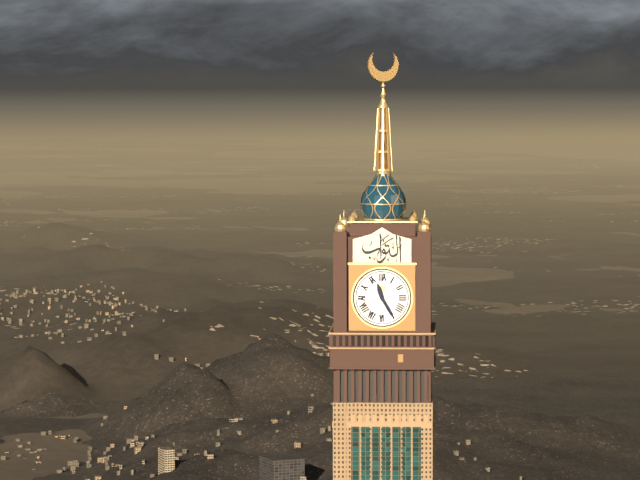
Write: 11 h 25 min
